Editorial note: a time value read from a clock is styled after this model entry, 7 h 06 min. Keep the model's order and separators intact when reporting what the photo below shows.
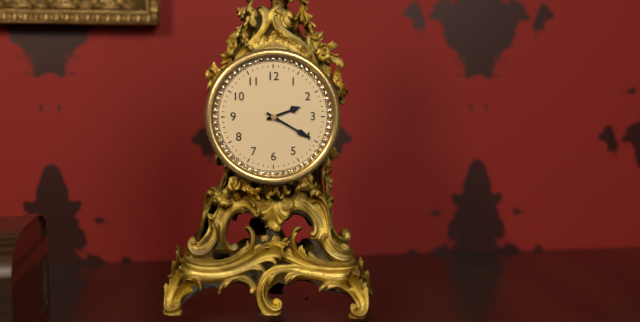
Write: 2 h 20 min
